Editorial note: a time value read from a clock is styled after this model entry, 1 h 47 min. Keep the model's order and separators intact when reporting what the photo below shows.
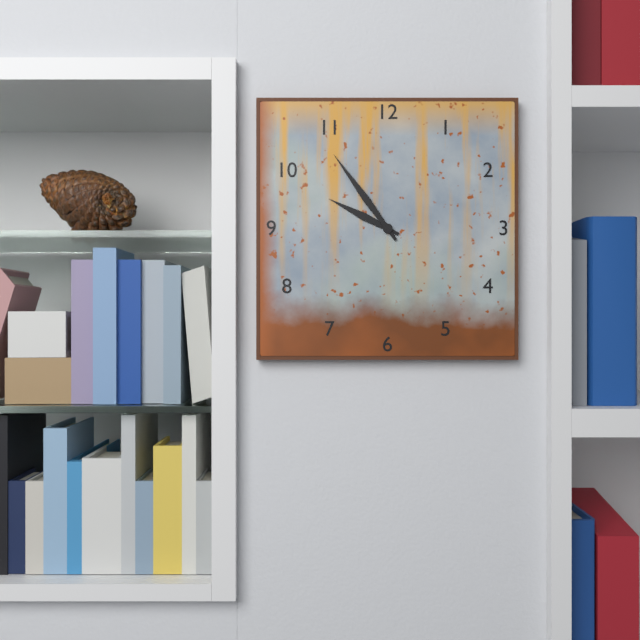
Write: 9 h 54 min
